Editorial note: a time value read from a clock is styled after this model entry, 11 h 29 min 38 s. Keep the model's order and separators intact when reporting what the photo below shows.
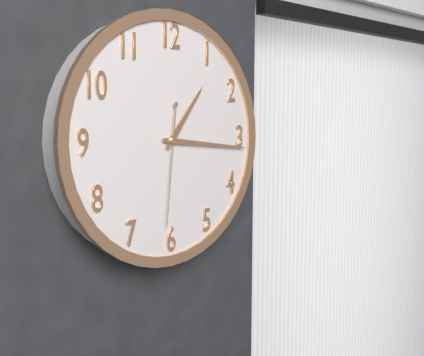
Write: 1 h 16 min 31 s
